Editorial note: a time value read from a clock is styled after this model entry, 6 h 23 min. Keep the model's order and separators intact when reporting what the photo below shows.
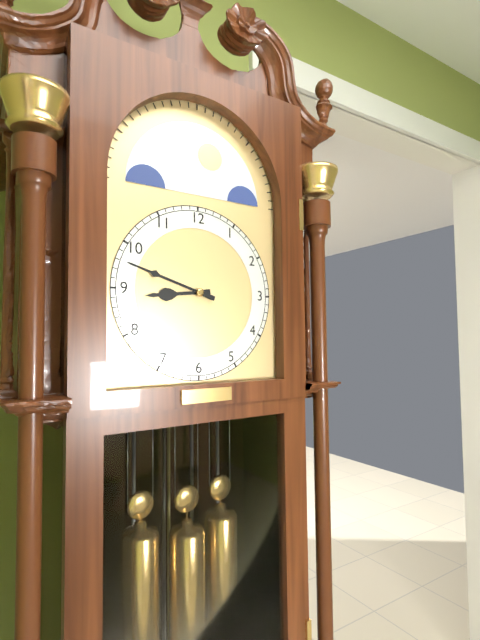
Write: 8 h 48 min
